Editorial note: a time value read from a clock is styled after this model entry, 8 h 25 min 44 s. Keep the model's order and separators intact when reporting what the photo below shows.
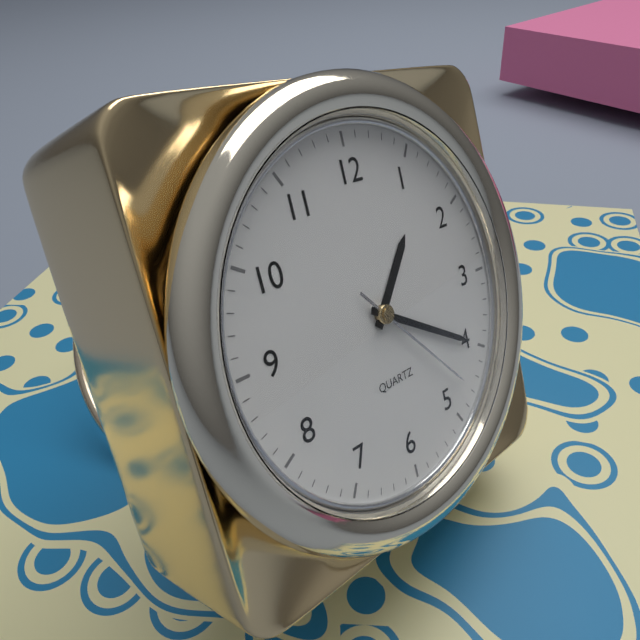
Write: 1 h 20 min 23 s
